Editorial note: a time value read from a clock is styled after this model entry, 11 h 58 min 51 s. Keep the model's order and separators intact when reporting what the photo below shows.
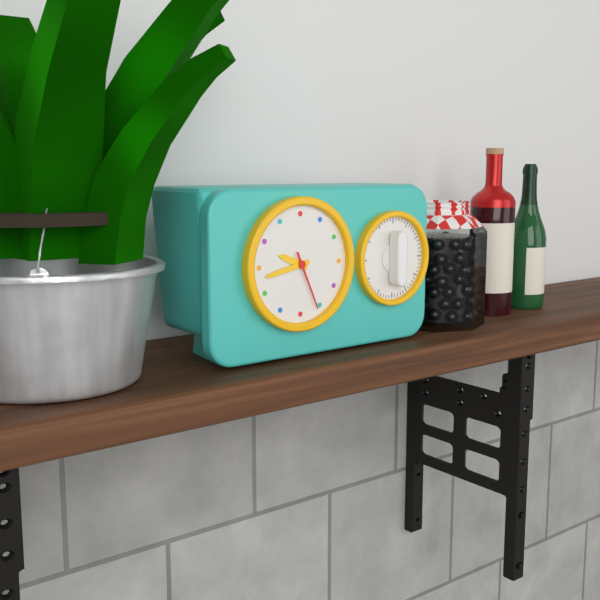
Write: 9 h 43 min 26 s
